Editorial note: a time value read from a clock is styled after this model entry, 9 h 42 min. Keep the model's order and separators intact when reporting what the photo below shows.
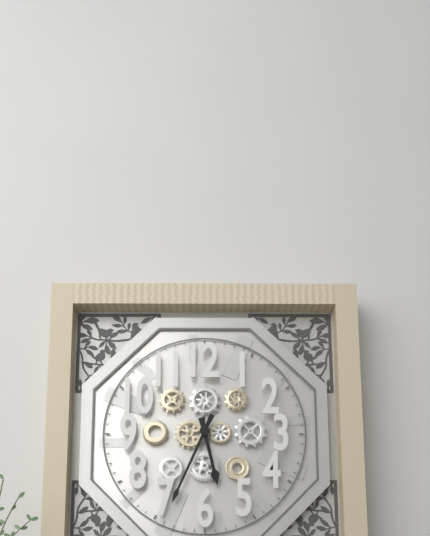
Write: 5 h 34 min
